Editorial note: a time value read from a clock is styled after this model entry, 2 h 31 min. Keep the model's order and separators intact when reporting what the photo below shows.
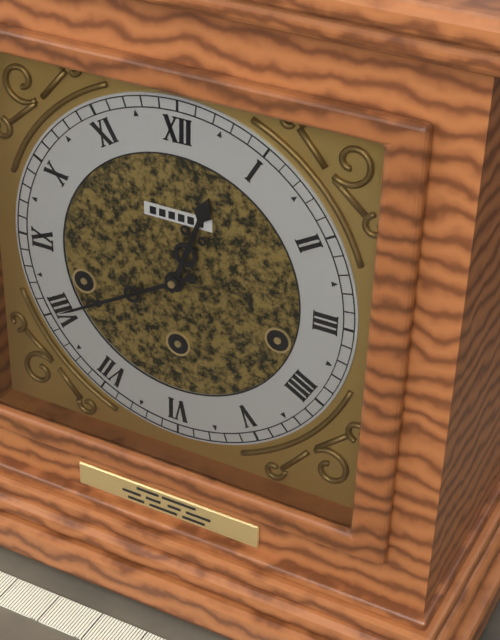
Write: 12 h 40 min
